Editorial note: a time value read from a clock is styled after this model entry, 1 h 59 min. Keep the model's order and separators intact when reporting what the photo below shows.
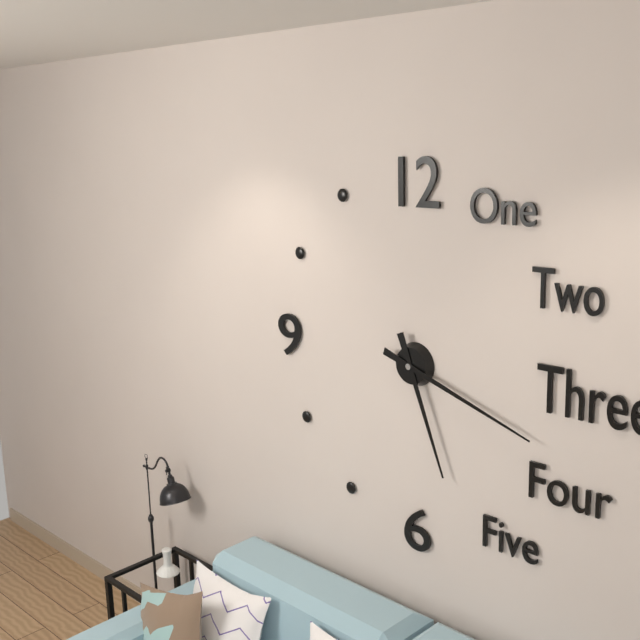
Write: 5 h 18 min
